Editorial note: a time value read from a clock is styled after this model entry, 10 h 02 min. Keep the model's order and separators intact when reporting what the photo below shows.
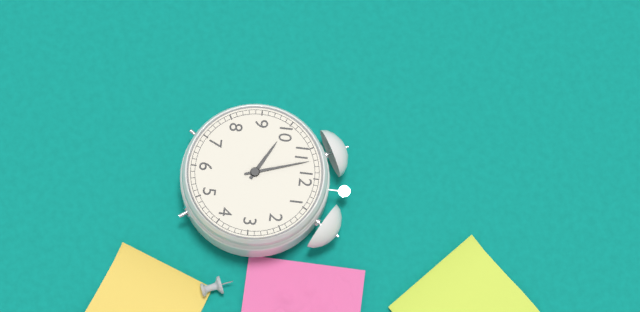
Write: 9 h 57 min
